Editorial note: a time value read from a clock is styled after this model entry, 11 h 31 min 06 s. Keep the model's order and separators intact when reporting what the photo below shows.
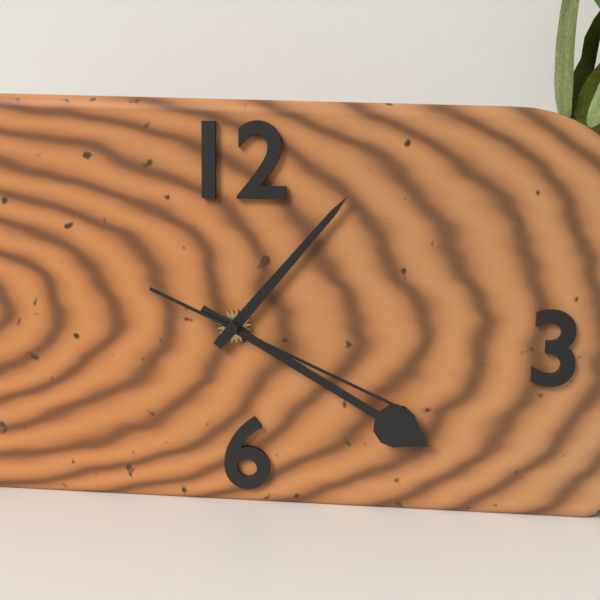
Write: 1 h 20 min 19 s
